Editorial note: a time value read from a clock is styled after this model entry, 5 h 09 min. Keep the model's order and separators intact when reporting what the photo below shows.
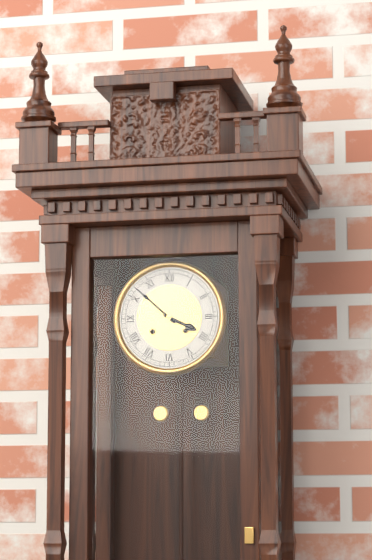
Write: 3 h 52 min
